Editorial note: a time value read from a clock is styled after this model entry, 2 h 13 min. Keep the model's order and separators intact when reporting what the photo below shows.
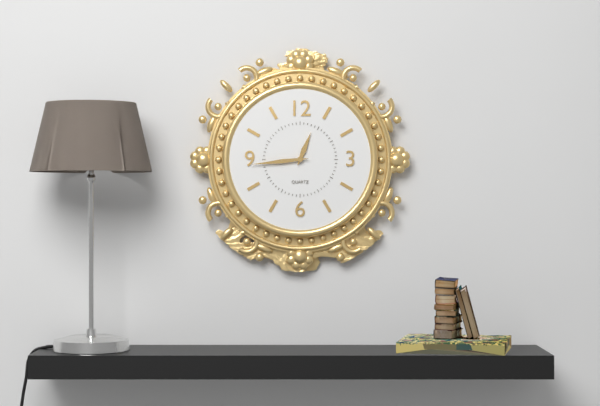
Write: 12 h 44 min
